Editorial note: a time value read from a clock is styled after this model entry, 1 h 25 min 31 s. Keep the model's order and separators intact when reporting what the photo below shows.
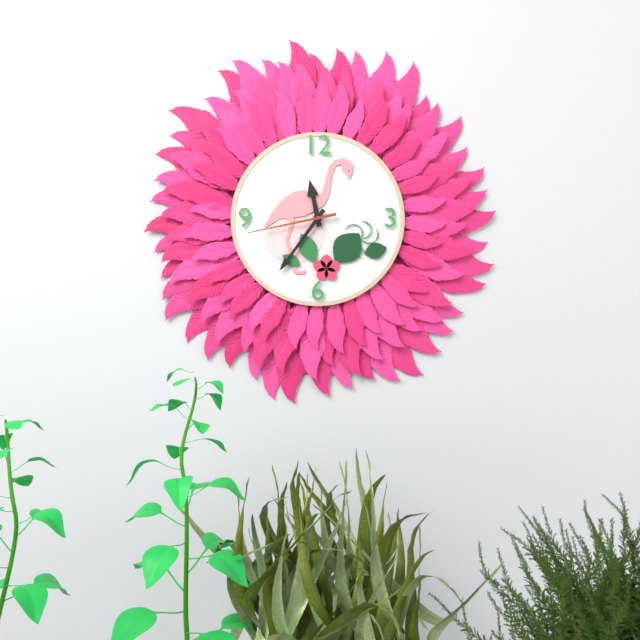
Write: 11 h 36 min 43 s
